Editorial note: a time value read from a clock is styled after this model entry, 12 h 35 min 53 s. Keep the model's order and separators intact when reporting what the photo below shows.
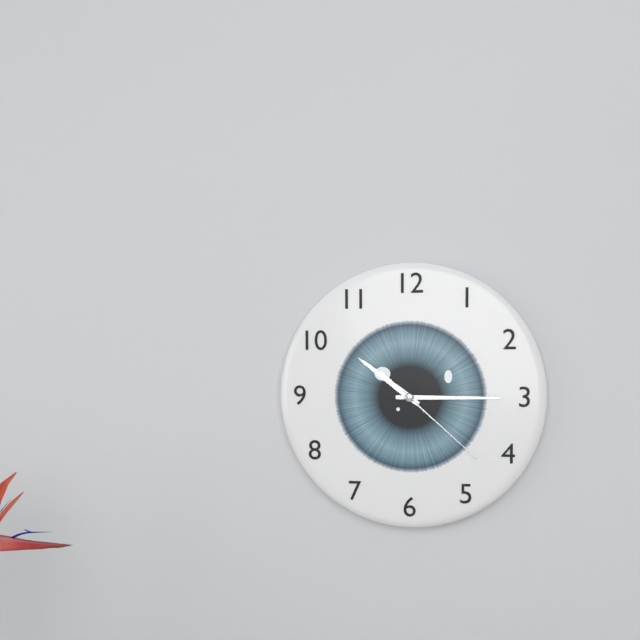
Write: 10 h 15 min 22 s
